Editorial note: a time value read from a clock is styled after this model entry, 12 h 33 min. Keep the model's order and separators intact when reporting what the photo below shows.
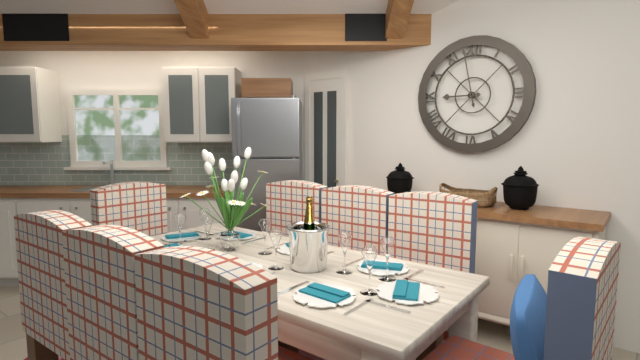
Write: 8 h 58 min
